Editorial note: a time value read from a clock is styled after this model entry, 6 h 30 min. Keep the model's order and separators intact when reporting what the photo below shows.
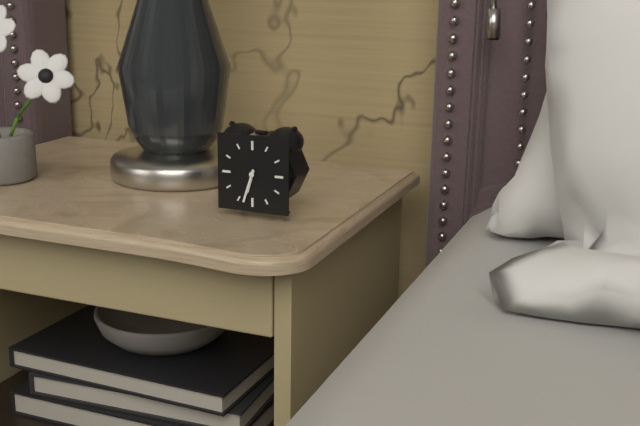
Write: 6 h 33 min
